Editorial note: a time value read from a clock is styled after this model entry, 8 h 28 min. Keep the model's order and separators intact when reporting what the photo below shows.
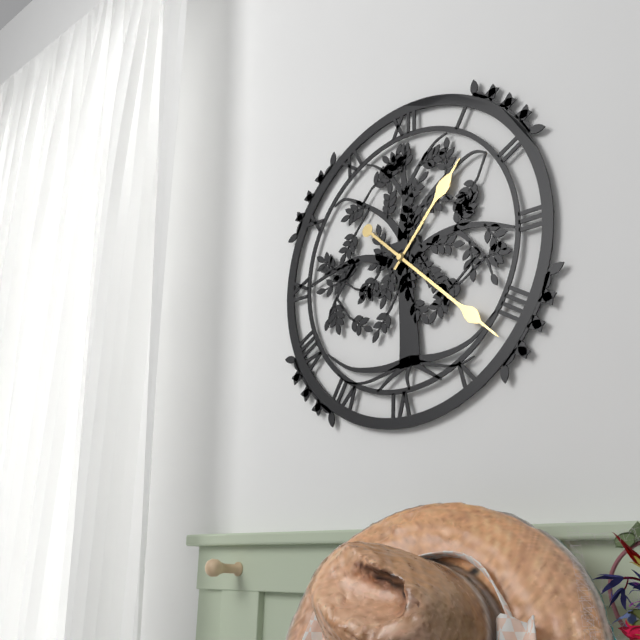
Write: 1 h 22 min
